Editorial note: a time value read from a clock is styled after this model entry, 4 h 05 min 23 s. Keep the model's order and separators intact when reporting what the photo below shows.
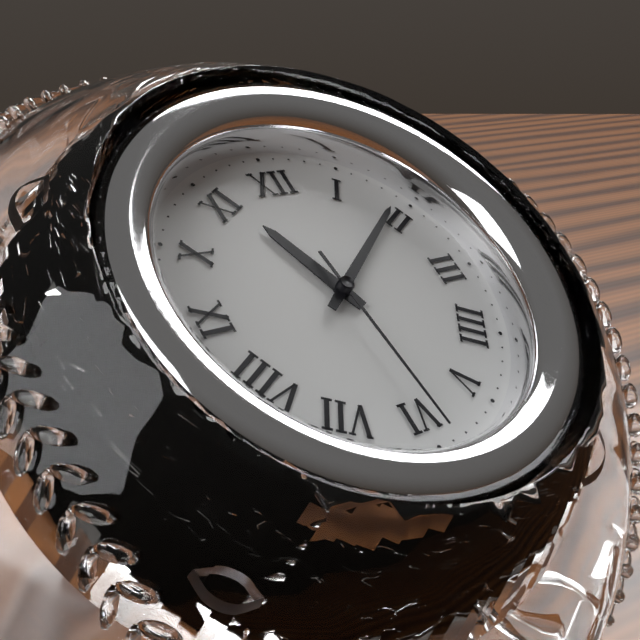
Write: 11 h 09 min 29 s
